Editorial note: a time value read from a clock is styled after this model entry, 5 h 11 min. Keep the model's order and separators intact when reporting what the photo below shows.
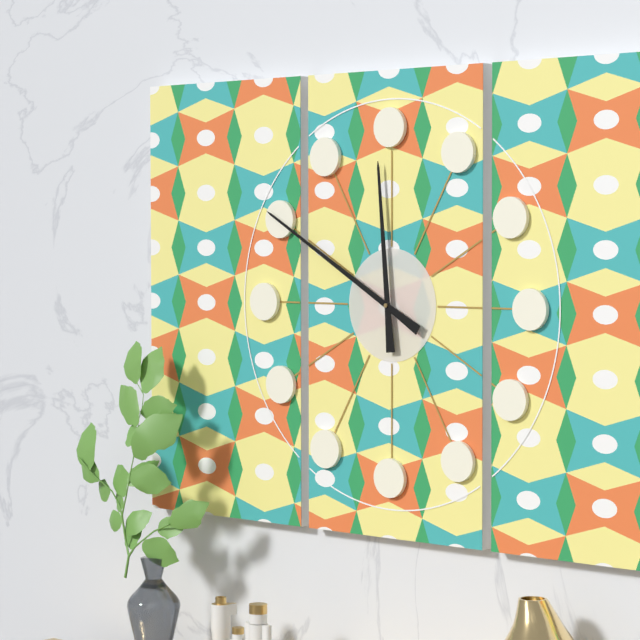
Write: 11 h 50 min
